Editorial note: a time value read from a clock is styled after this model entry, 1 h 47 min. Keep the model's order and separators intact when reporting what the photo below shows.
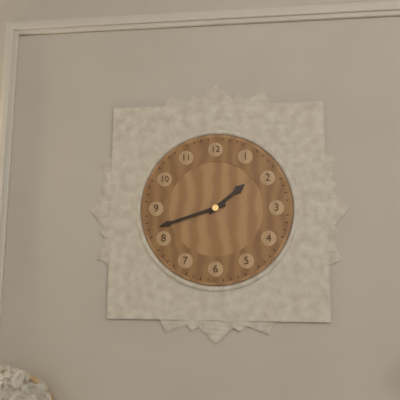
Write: 1 h 42 min
